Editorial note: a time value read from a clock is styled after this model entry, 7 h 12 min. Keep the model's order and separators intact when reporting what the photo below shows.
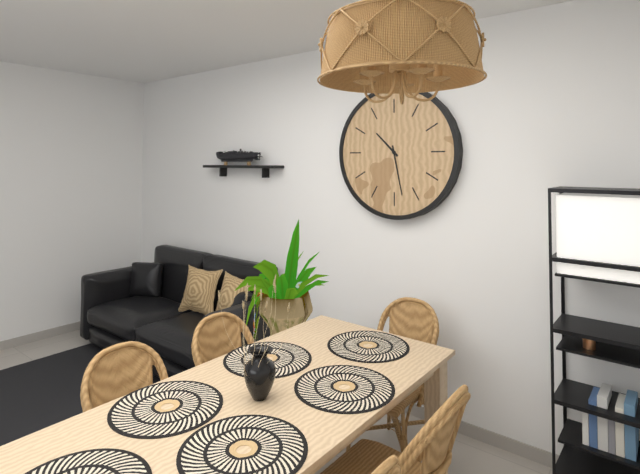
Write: 10 h 28 min
